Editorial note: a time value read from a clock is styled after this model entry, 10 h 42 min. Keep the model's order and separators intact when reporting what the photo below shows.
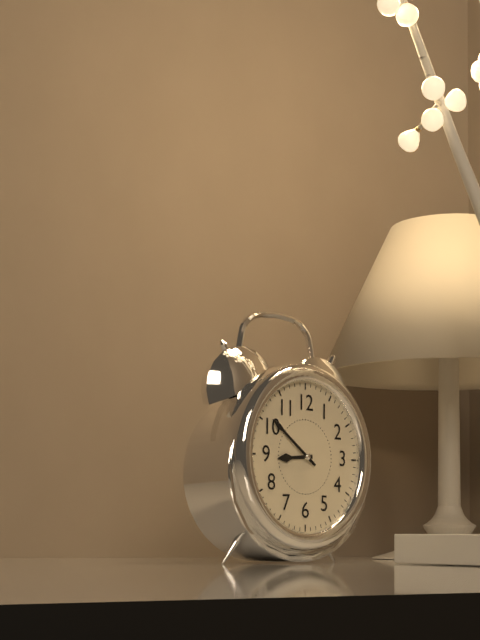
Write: 8 h 51 min
